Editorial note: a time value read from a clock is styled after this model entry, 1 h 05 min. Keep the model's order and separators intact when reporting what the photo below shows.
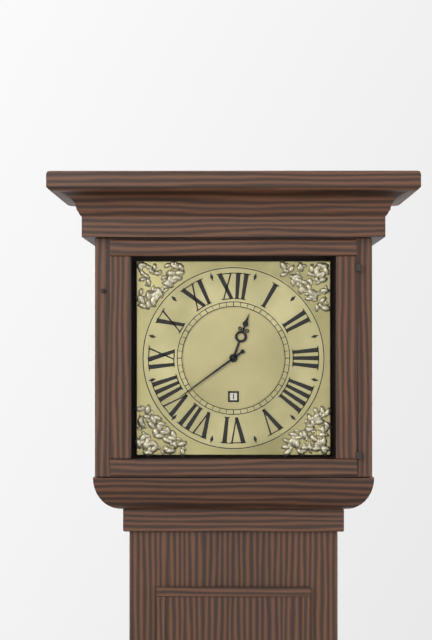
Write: 12 h 39 min
